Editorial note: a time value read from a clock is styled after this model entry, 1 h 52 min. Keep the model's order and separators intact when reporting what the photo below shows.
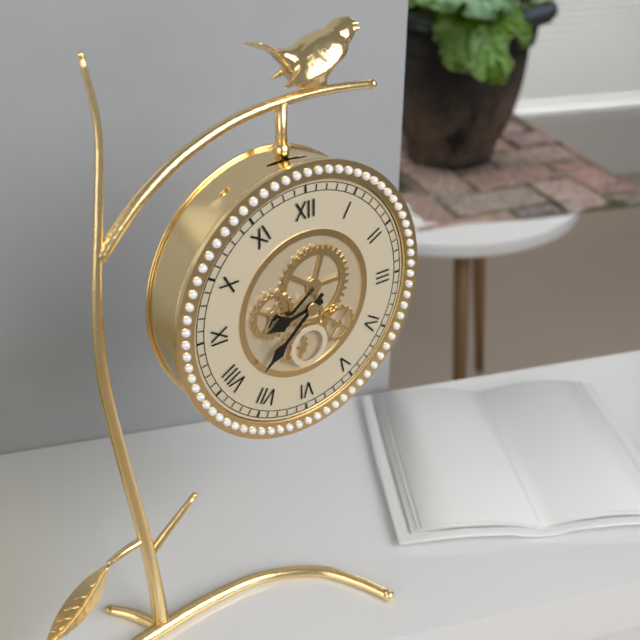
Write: 8 h 38 min
